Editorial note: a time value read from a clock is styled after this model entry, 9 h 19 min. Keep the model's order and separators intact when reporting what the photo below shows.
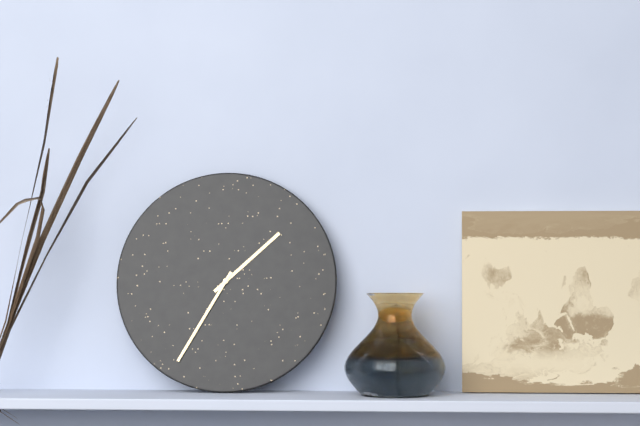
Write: 1 h 35 min
